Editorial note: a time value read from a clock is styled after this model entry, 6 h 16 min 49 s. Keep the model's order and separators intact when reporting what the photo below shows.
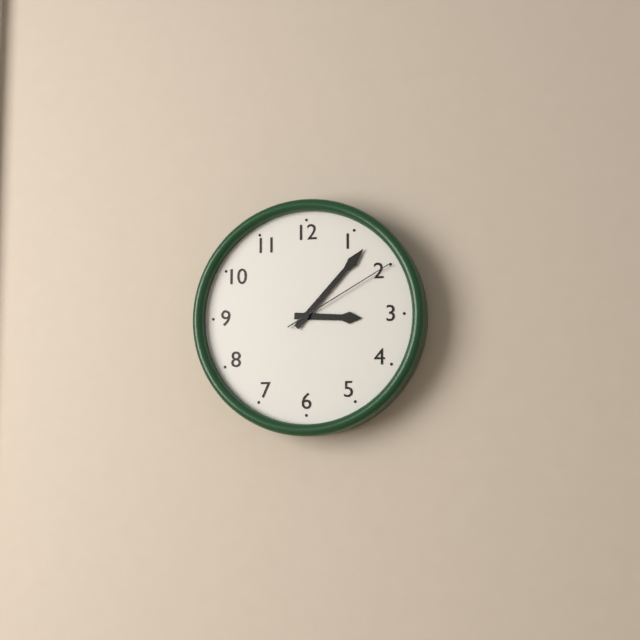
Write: 3 h 07 min 10 s
